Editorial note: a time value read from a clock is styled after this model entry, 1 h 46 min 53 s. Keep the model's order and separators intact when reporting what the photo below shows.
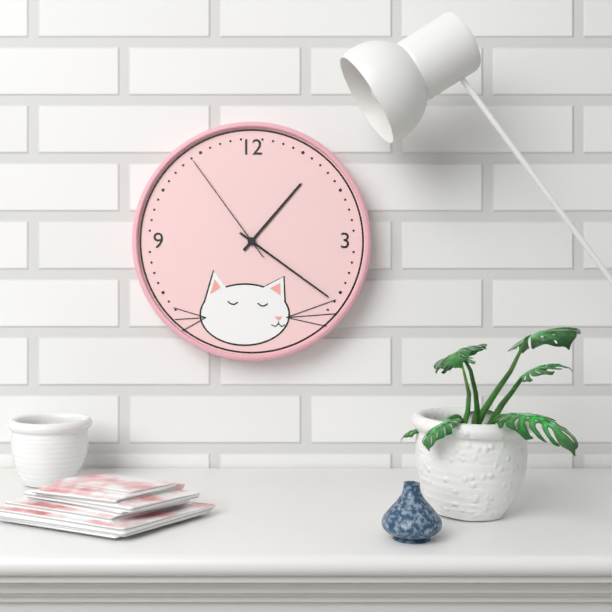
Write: 1 h 21 min 54 s
